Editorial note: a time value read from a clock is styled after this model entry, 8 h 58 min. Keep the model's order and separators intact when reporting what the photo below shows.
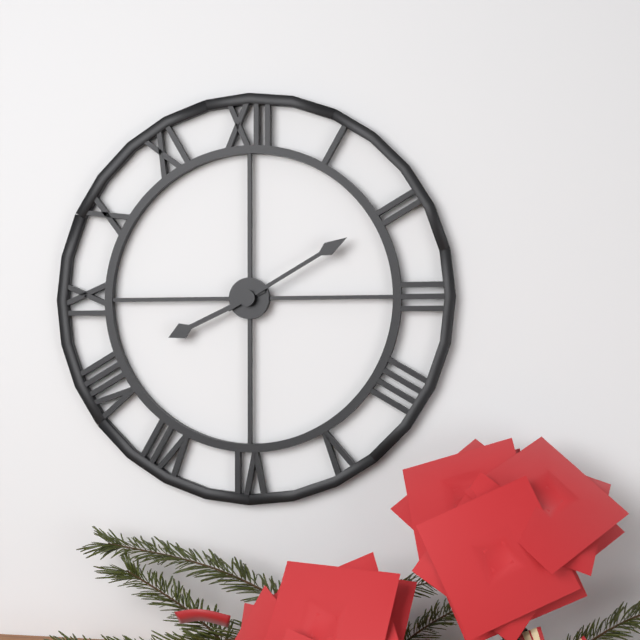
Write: 8 h 10 min
